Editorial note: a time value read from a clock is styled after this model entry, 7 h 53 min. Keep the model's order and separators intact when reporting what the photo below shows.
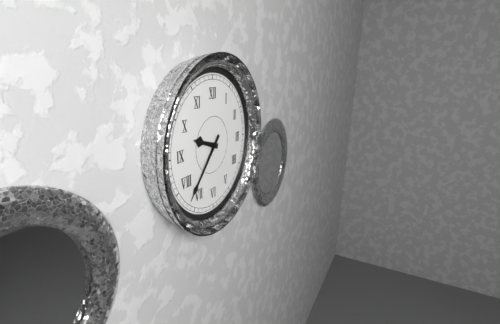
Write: 9 h 37 min
